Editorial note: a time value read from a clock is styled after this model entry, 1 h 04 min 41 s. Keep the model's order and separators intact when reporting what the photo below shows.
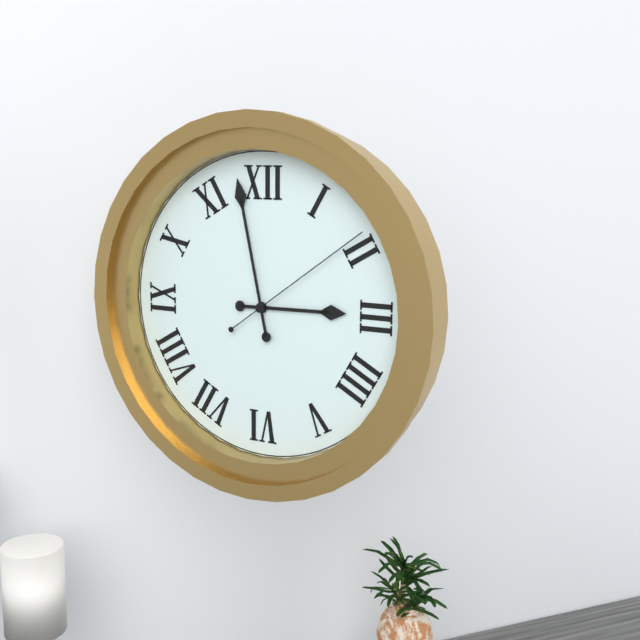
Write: 2 h 58 min 09 s
